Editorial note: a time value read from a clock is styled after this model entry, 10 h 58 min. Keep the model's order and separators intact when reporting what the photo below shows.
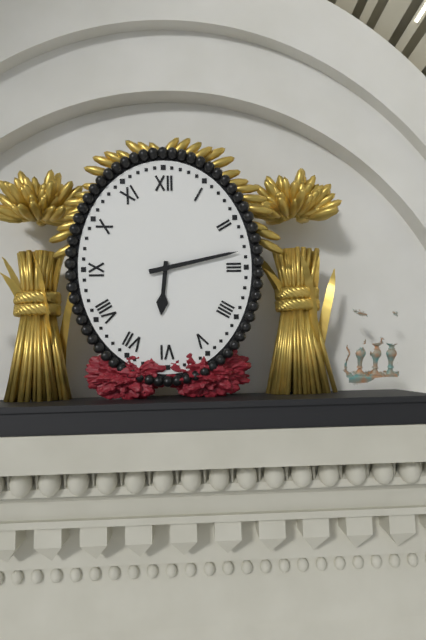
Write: 6 h 13 min
